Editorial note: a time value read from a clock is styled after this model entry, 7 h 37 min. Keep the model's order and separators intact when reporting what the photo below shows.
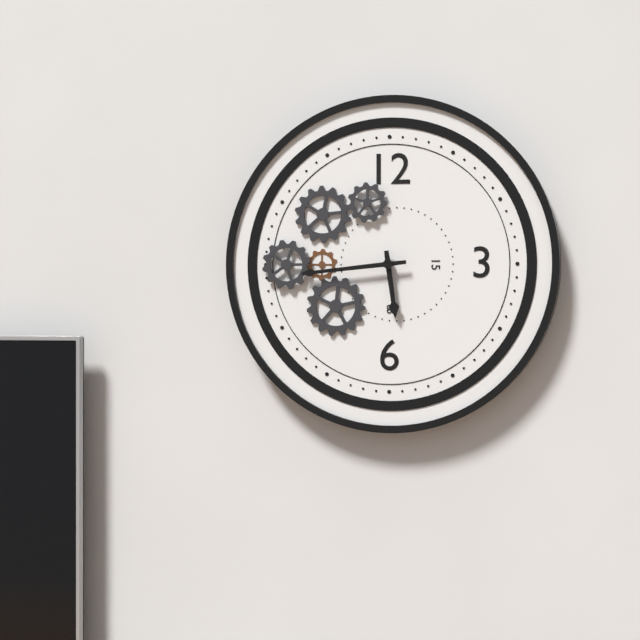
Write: 5 h 44 min
